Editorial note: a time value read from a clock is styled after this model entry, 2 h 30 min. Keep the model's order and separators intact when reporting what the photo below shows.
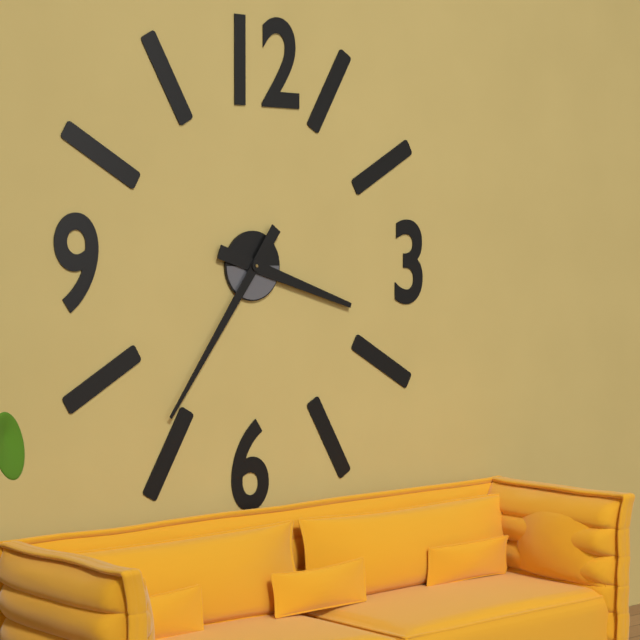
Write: 3 h 36 min
